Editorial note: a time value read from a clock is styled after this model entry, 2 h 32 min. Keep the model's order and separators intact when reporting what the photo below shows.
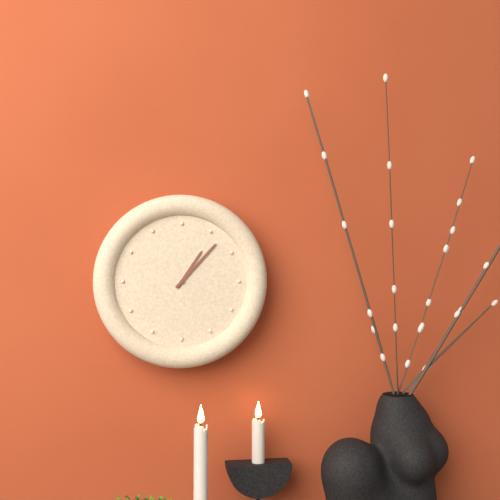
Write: 1 h 07 min
